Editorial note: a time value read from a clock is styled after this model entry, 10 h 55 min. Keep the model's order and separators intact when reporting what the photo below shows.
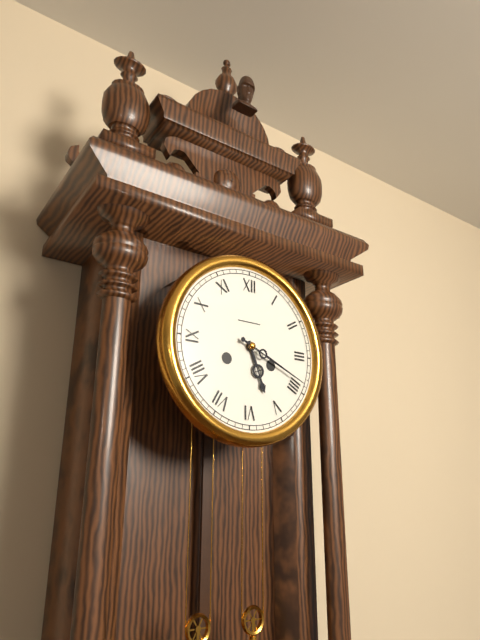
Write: 5 h 19 min
